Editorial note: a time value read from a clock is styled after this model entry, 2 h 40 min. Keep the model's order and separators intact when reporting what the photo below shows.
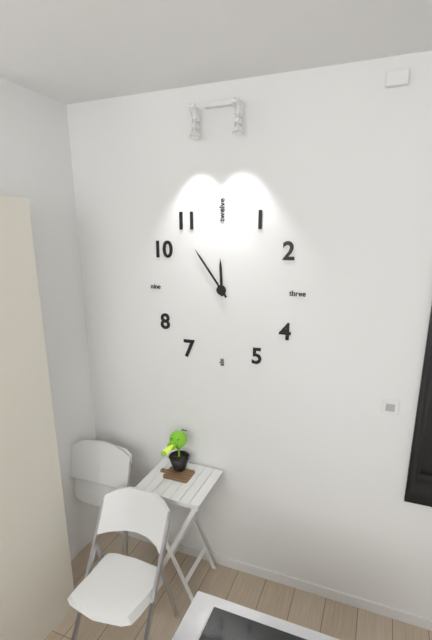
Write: 11 h 54 min
